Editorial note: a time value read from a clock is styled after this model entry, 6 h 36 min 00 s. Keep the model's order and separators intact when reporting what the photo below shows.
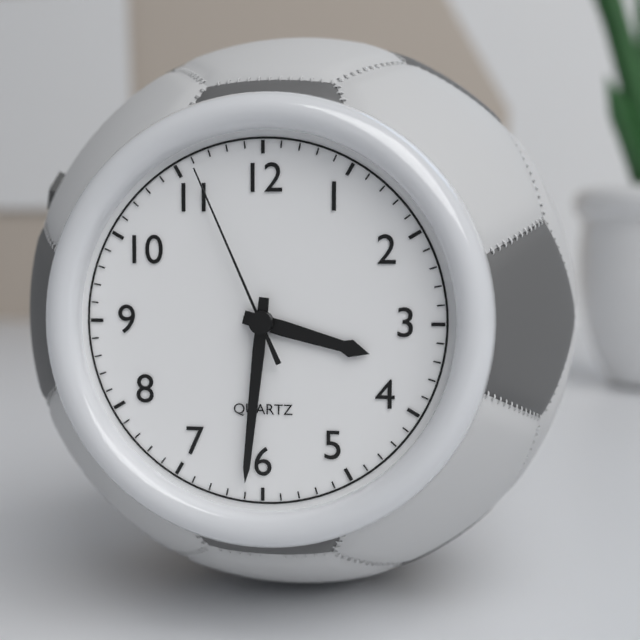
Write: 3 h 31 min 56 s
